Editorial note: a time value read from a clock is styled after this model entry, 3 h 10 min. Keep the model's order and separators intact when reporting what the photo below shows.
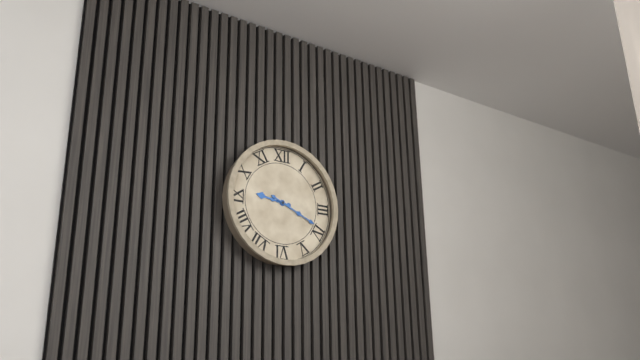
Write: 9 h 19 min
